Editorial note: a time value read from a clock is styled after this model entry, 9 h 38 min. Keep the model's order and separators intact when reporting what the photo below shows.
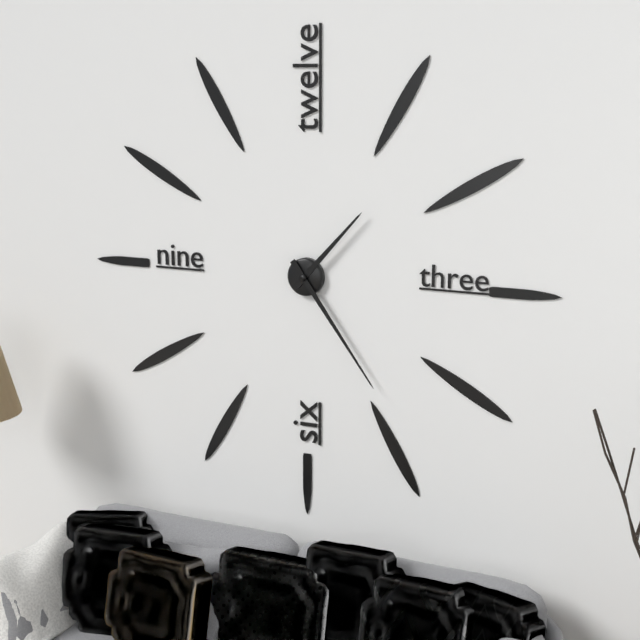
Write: 1 h 24 min
